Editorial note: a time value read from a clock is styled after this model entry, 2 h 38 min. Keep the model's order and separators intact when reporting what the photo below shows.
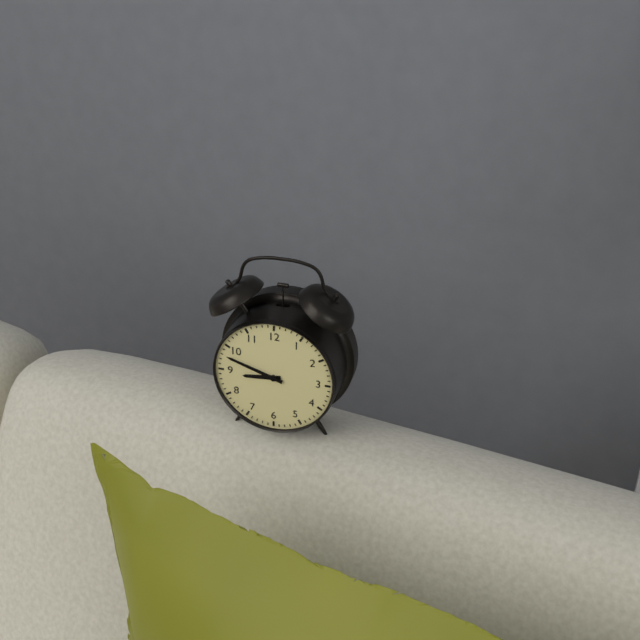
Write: 8 h 48 min
